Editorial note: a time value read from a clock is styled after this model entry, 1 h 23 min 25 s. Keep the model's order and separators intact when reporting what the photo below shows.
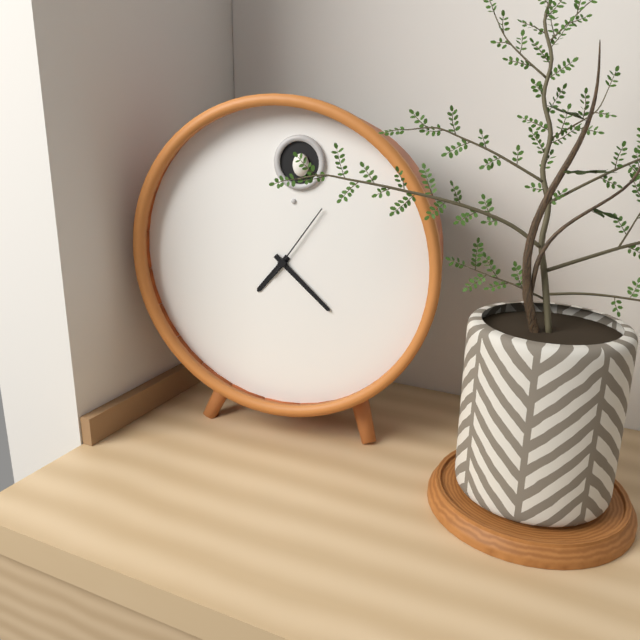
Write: 7 h 22 min 06 s
